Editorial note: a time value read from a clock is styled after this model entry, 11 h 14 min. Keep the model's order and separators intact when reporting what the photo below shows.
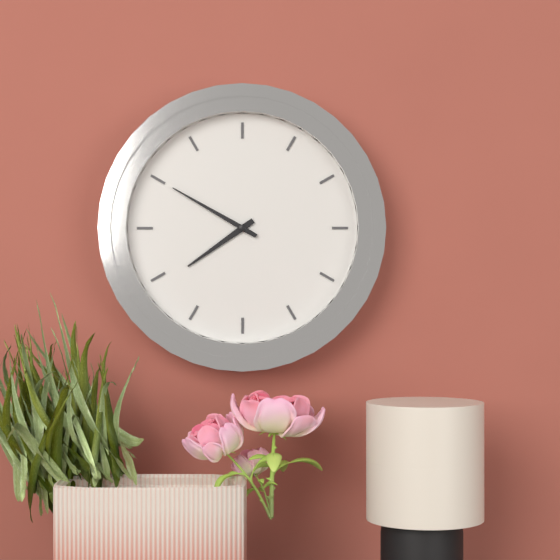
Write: 7 h 50 min
